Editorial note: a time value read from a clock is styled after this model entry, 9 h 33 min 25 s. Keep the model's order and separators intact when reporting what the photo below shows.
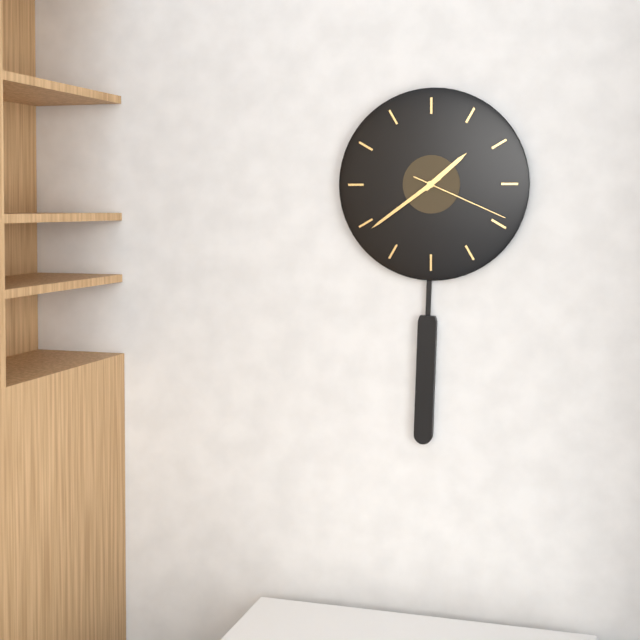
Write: 1 h 39 min 19 s
